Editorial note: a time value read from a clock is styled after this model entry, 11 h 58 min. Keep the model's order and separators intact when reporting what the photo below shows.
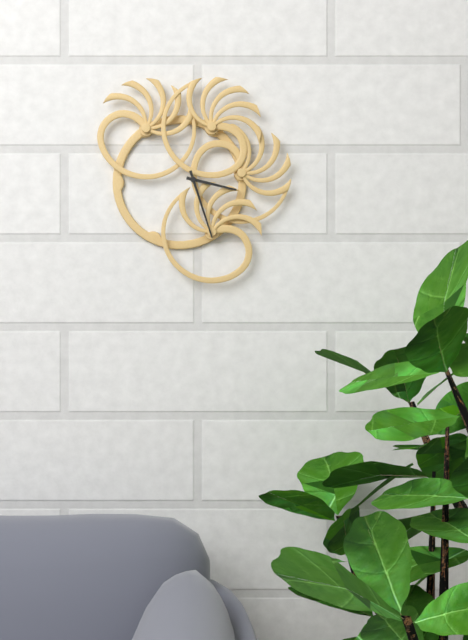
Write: 3 h 27 min
